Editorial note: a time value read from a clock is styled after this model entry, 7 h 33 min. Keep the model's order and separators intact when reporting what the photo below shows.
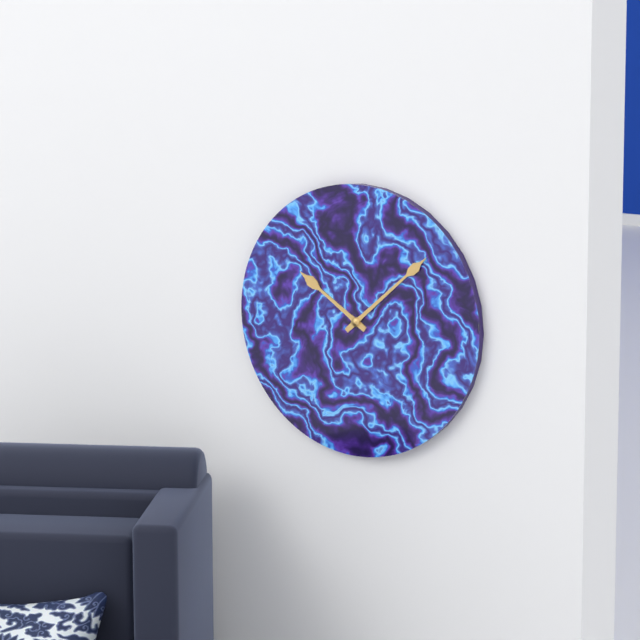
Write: 10 h 08 min
